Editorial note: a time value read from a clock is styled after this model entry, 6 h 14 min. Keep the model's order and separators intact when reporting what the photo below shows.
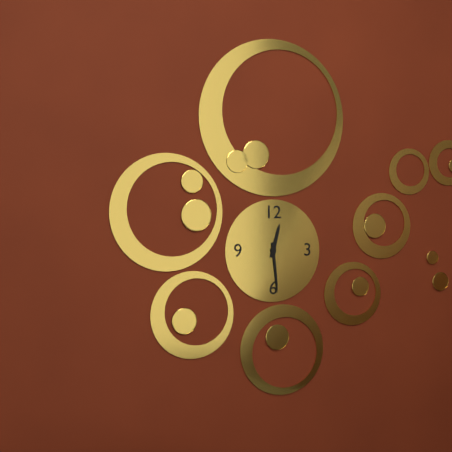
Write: 12 h 29 min
